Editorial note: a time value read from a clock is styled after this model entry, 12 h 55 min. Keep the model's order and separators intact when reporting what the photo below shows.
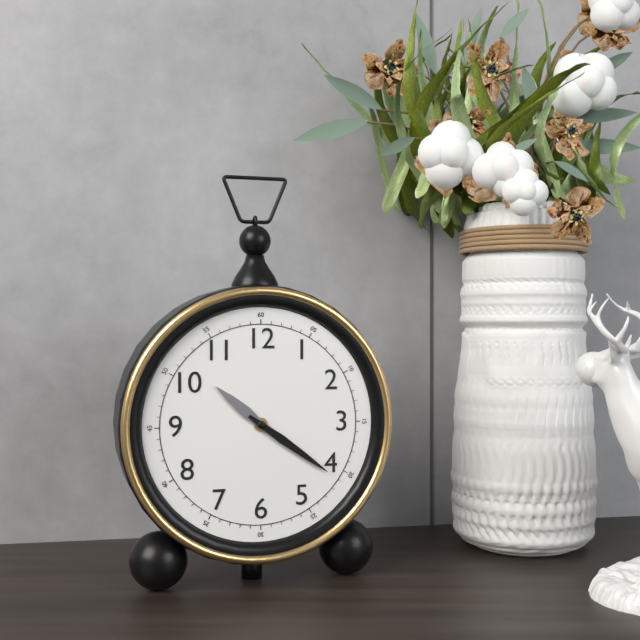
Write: 10 h 21 min
